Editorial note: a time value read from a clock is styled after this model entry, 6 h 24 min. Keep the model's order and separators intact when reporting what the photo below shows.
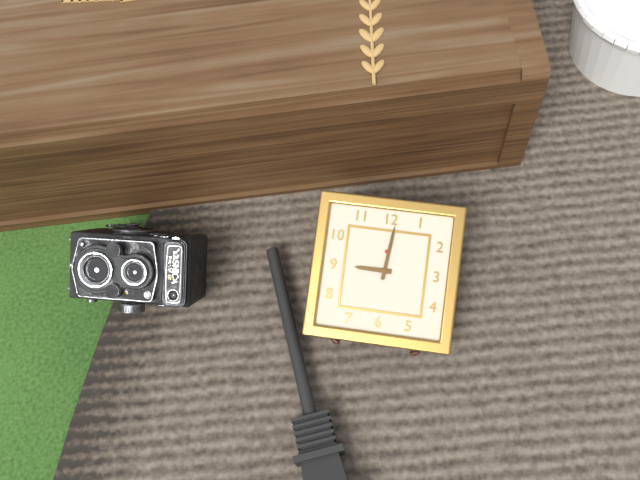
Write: 9 h 01 min
